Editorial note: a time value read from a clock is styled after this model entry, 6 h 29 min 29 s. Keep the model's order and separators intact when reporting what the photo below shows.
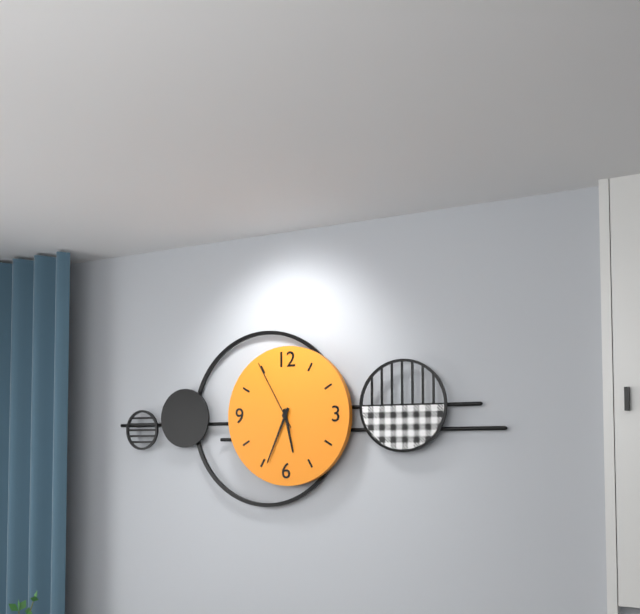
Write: 5 h 34 min 55 s
